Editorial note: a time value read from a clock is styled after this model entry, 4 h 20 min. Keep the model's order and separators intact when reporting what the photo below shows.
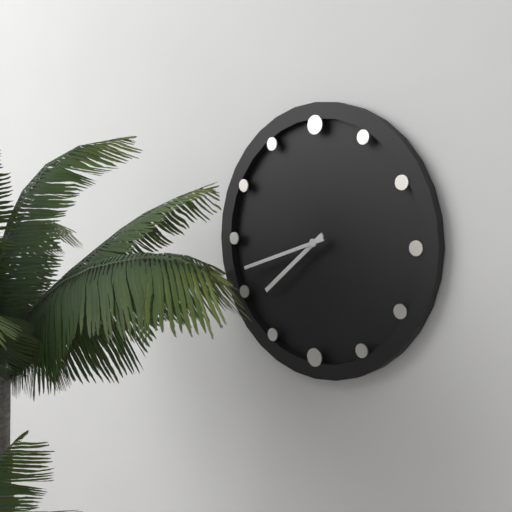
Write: 7 h 42 min
